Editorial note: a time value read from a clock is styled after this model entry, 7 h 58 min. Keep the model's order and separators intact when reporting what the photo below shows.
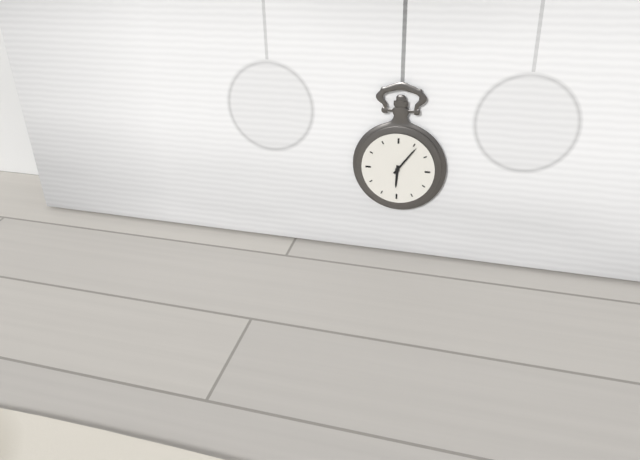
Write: 6 h 06 min
